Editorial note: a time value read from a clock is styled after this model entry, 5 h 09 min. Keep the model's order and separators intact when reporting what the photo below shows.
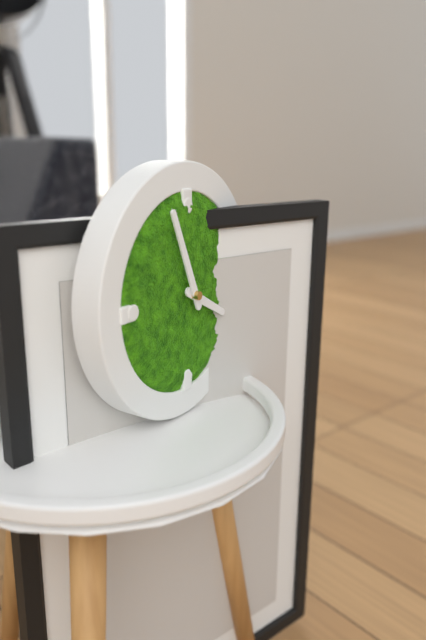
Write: 3 h 56 min
